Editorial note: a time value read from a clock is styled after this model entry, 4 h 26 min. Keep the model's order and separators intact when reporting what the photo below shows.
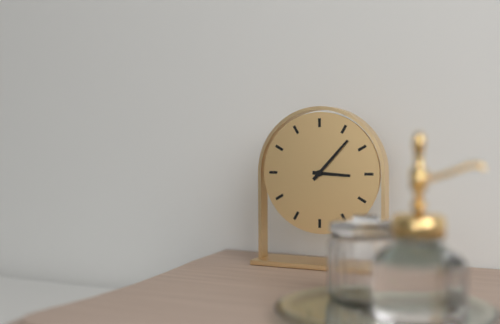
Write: 3 h 07 min
